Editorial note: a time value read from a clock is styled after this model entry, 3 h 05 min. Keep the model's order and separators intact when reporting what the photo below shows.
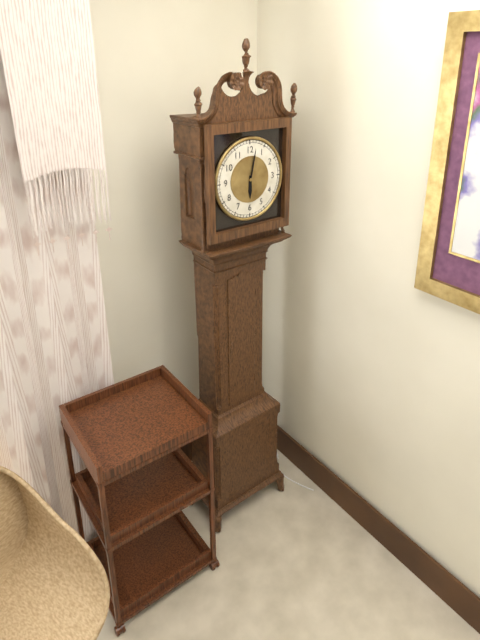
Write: 6 h 02 min
